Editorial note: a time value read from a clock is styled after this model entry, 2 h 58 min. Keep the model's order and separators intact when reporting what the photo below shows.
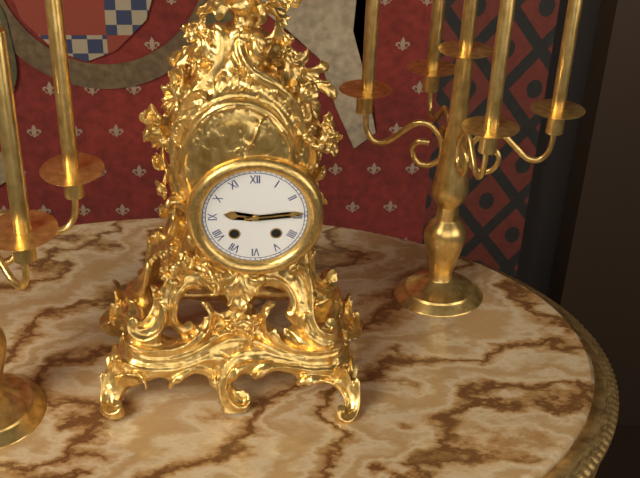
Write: 9 h 14 min
